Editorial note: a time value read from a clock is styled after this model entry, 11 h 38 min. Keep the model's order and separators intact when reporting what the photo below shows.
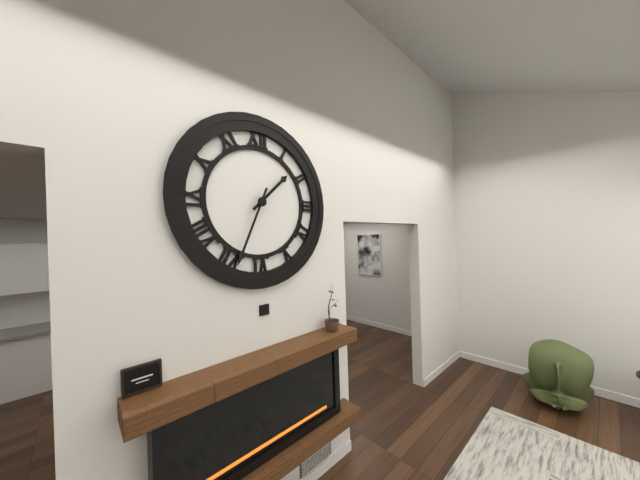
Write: 1 h 34 min
